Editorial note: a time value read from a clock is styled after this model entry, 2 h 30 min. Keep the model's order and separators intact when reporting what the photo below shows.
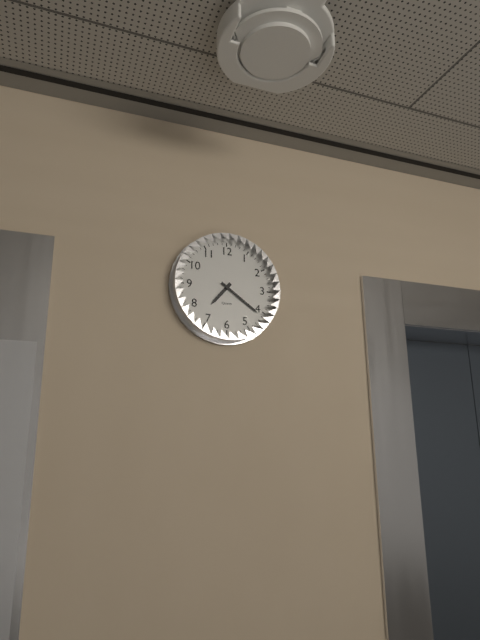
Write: 7 h 21 min
